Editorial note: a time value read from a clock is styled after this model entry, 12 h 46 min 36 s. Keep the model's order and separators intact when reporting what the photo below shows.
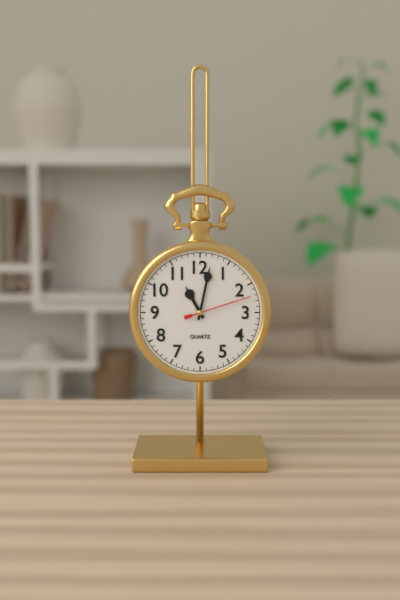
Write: 11 h 02 min 12 s
